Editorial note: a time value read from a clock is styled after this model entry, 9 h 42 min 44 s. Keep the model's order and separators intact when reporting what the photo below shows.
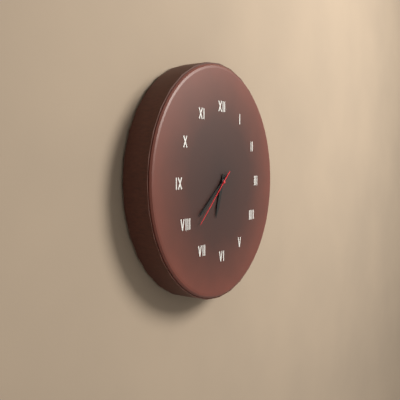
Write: 6 h 39 min 38 s
